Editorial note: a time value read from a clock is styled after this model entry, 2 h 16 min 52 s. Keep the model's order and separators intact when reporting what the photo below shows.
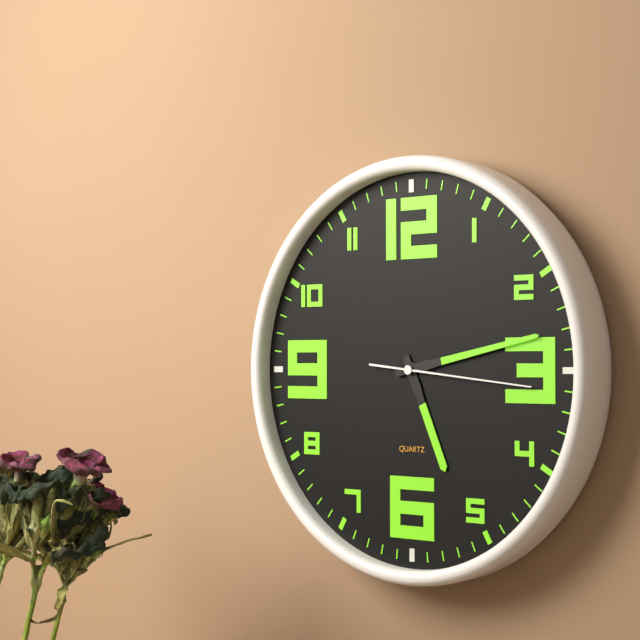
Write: 5 h 13 min 16 s
